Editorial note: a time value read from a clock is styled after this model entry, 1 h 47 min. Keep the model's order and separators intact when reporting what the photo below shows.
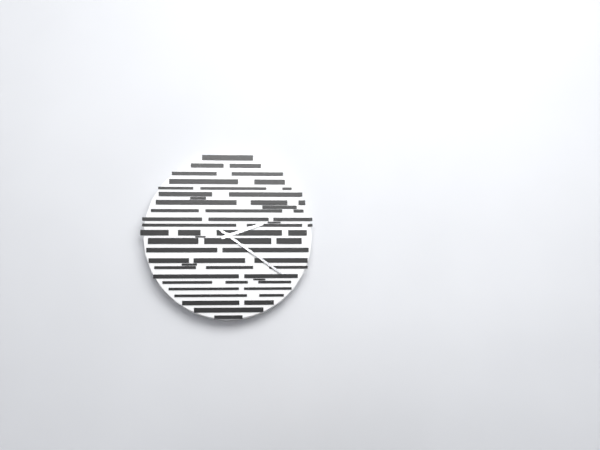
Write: 2 h 21 min
